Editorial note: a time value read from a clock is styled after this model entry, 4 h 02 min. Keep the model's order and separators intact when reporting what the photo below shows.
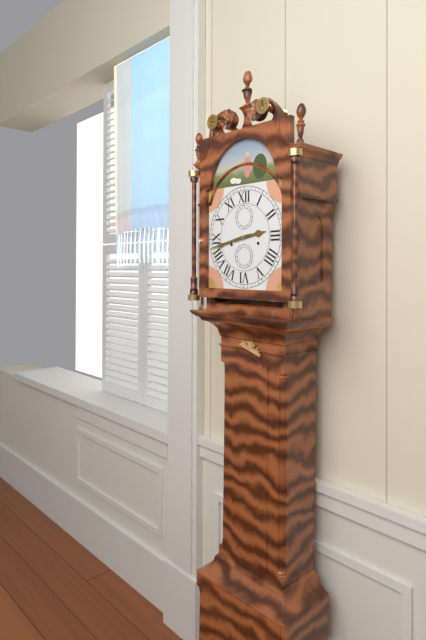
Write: 2 h 43 min
